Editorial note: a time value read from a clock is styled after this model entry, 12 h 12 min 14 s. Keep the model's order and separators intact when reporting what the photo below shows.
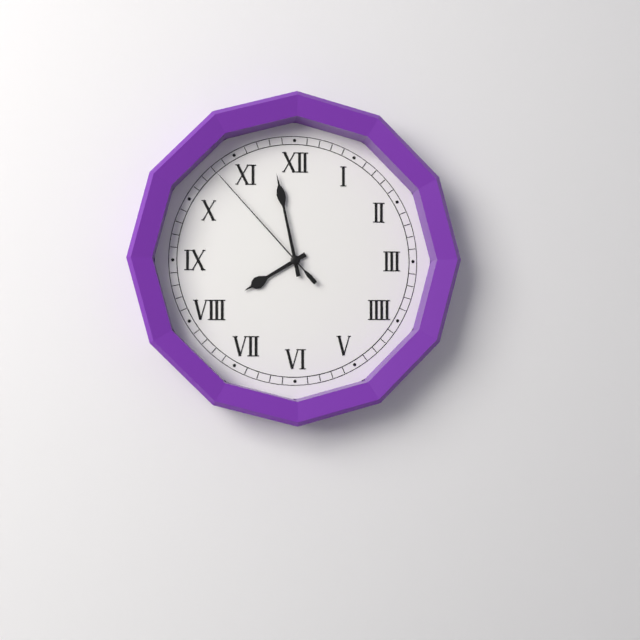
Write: 7 h 58 min 53 s
